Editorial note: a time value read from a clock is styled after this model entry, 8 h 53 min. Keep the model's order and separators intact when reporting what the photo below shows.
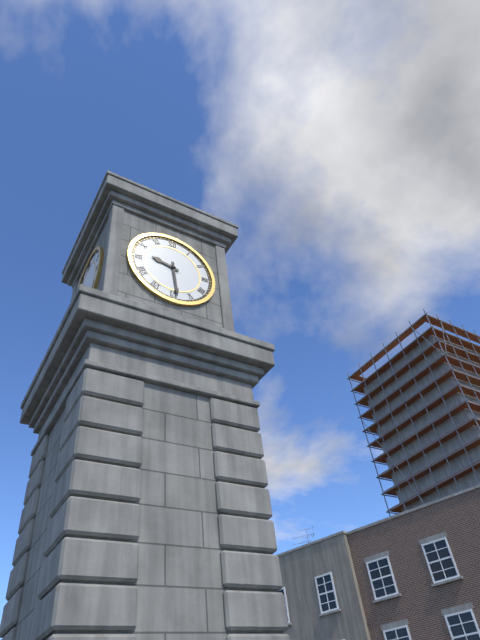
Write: 9 h 29 min
